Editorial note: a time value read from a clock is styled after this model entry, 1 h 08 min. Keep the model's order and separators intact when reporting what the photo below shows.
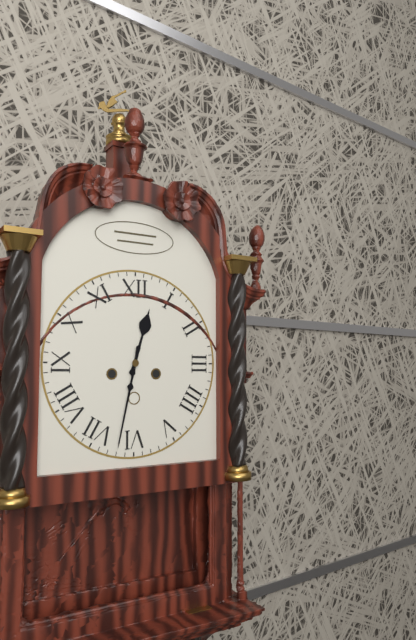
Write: 12 h 32 min
